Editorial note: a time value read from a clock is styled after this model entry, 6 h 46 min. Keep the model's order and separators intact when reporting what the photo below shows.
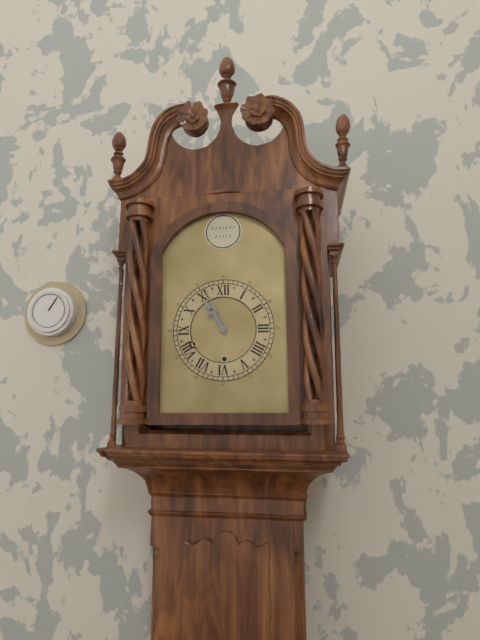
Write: 10 h 56 min
